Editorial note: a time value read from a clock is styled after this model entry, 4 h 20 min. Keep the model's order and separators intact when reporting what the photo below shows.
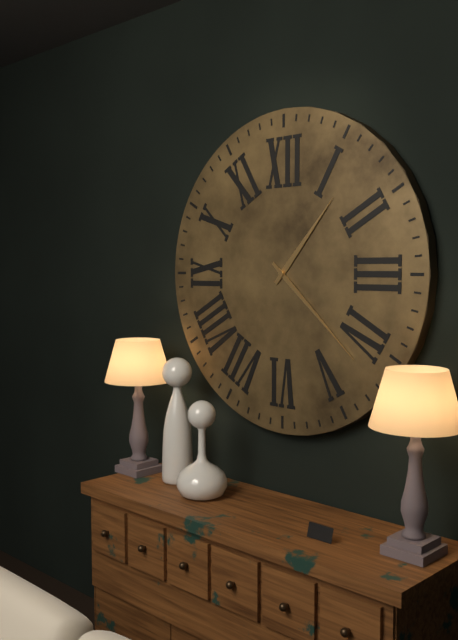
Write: 1 h 22 min
